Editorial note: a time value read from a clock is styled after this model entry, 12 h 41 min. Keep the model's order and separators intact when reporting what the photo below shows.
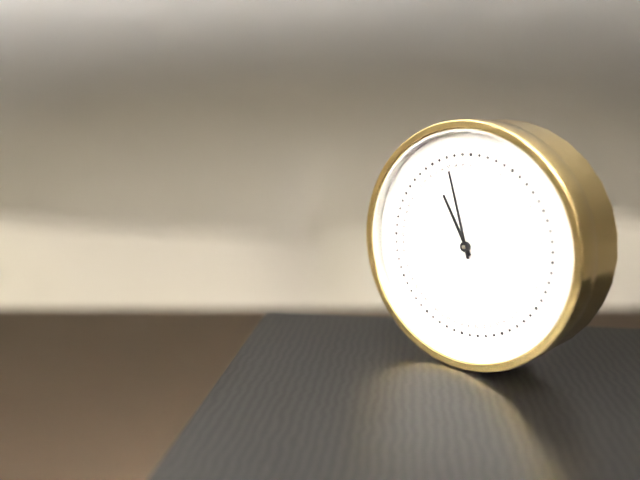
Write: 10 h 57 min
